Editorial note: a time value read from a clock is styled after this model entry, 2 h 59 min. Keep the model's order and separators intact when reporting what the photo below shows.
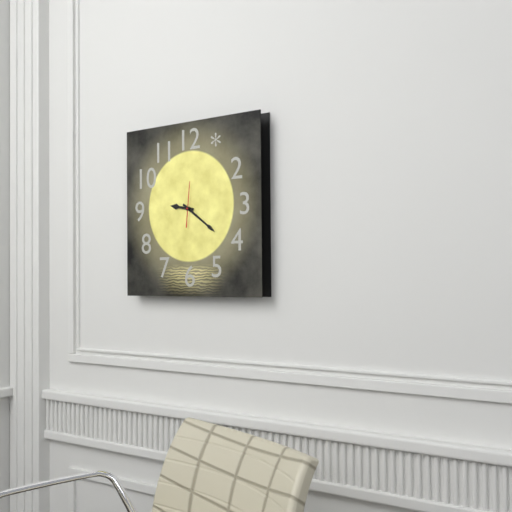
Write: 9 h 21 min
